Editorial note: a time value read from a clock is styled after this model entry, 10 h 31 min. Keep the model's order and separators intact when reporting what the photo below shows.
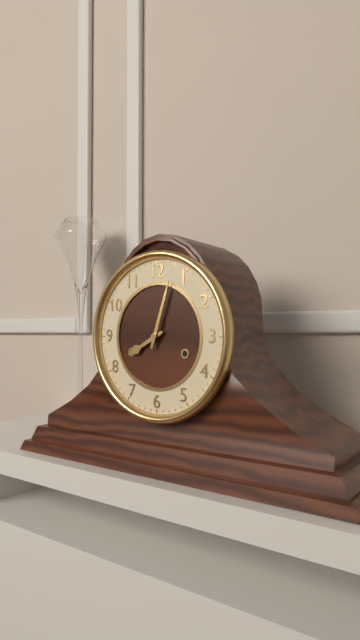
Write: 8 h 03 min
